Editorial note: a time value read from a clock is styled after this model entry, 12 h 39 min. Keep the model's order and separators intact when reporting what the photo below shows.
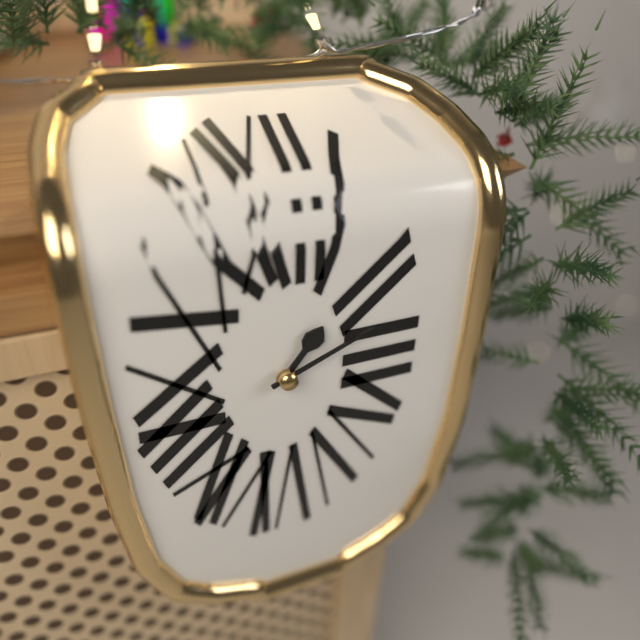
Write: 1 h 11 min
